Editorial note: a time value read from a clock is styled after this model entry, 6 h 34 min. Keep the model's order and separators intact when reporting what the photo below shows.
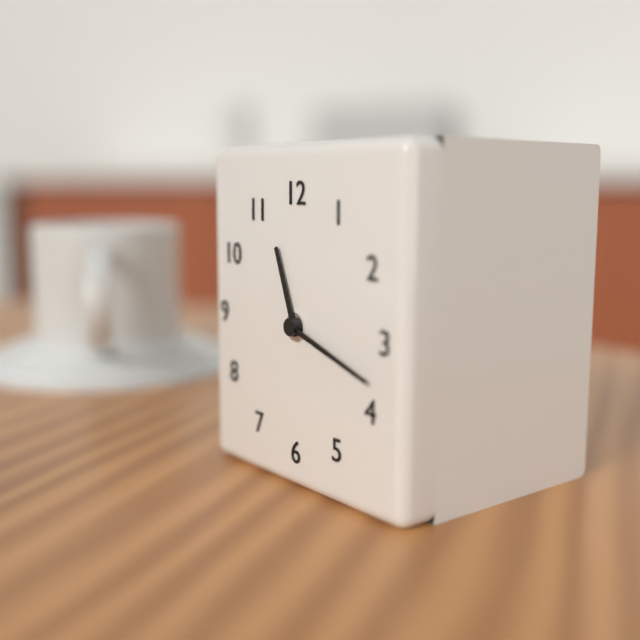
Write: 11 h 18 min
